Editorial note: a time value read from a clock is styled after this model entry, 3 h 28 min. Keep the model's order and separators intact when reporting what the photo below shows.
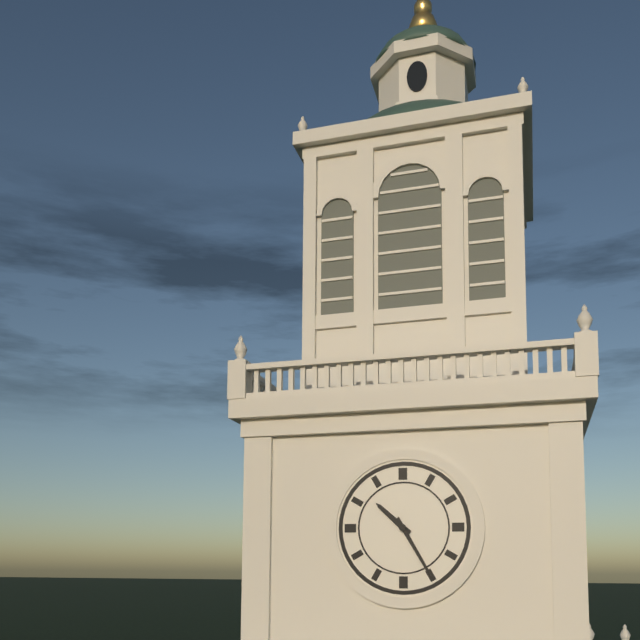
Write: 10 h 25 min
